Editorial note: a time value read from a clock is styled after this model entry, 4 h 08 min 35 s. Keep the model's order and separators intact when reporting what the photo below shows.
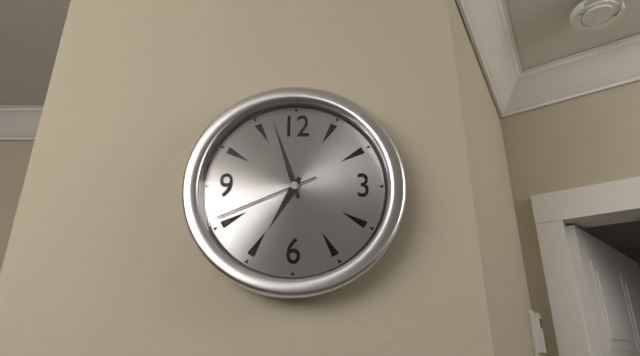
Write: 6 h 57 min 41 s
